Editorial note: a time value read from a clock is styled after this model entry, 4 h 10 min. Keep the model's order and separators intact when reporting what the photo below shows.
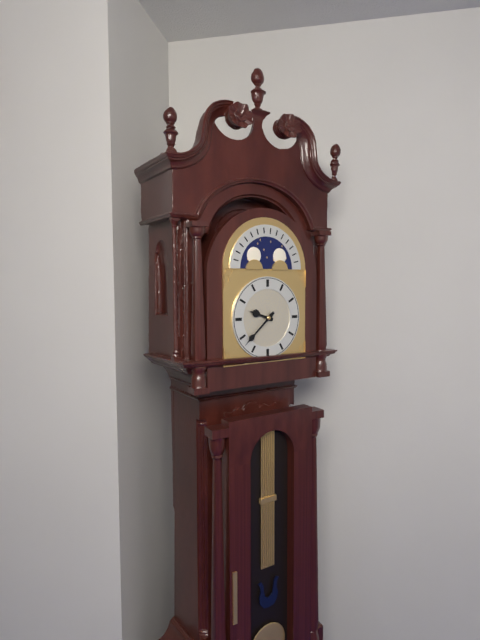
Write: 9 h 38 min
